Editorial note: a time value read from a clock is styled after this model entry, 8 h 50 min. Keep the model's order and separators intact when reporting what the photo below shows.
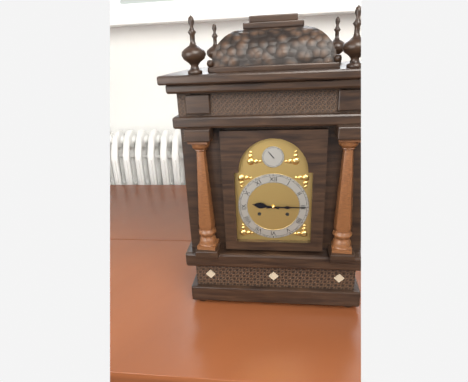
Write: 9 h 15 min
